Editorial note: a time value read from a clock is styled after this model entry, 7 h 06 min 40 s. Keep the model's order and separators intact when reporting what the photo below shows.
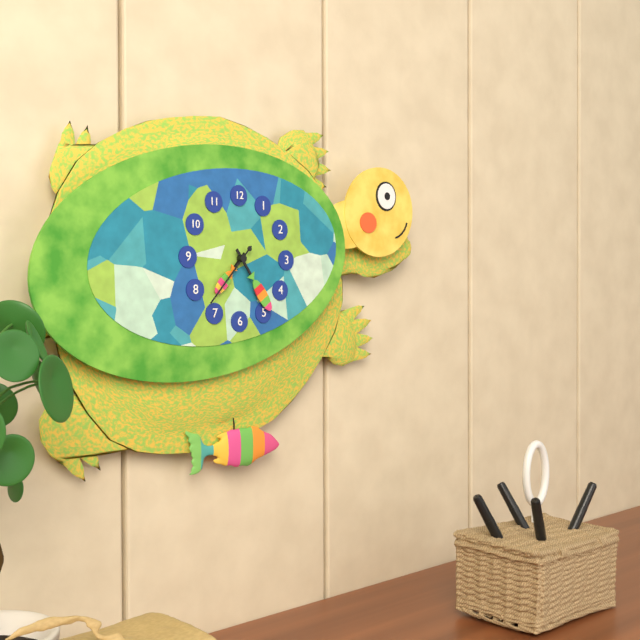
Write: 7 h 24 min 37 s
